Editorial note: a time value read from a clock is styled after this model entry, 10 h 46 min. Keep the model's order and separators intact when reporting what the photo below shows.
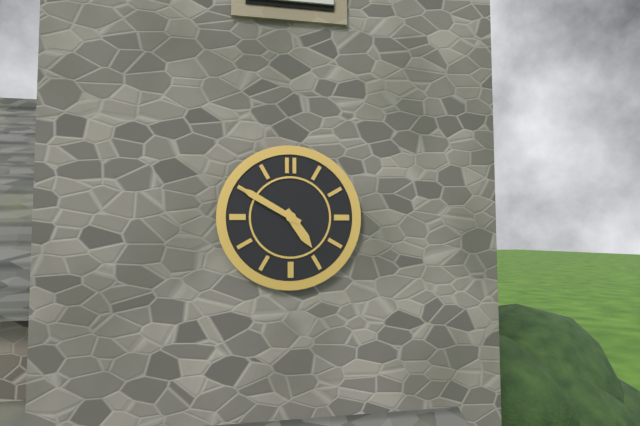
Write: 4 h 50 min
